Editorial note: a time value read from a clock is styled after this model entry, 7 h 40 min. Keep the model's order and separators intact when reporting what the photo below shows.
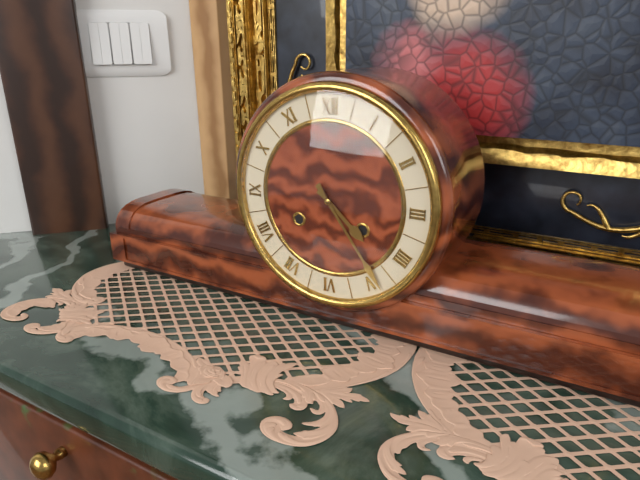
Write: 4 h 24 min
